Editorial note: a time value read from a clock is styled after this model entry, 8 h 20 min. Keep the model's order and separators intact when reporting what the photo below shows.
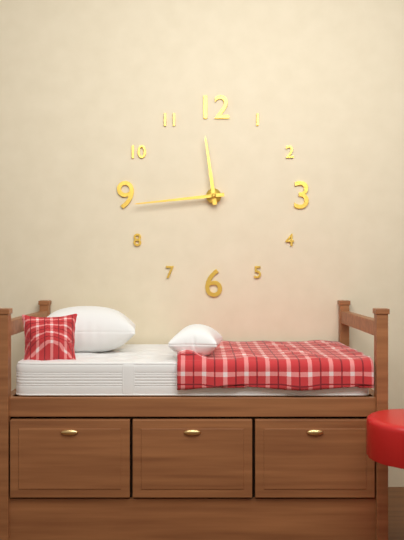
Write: 11 h 44 min
